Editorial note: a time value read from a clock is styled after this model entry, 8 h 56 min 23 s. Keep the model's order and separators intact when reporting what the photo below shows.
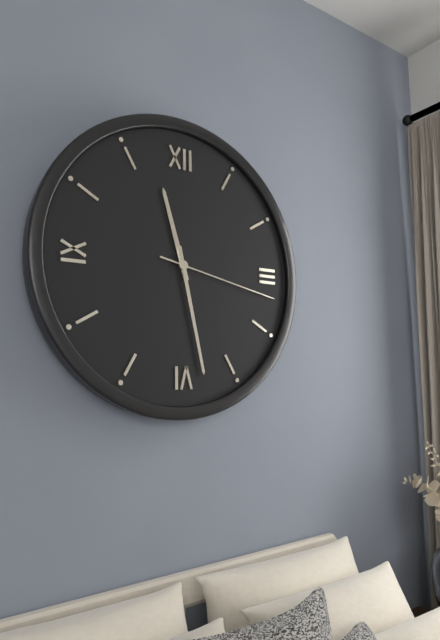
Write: 11 h 28 min 17 s
